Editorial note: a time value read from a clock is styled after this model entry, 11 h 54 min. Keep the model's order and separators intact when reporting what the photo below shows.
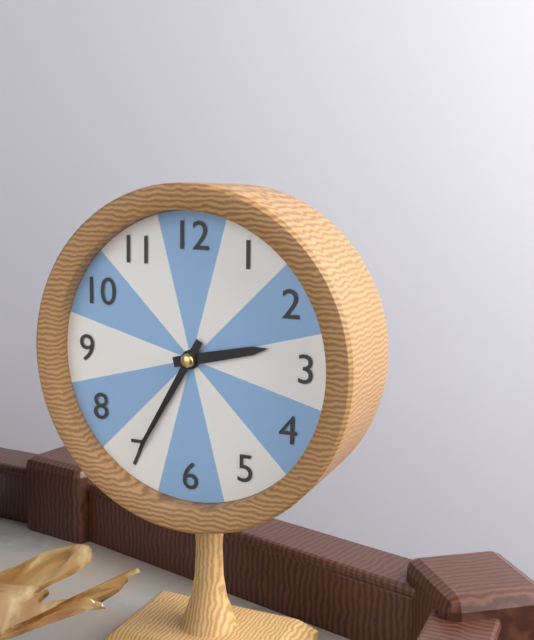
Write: 2 h 35 min
